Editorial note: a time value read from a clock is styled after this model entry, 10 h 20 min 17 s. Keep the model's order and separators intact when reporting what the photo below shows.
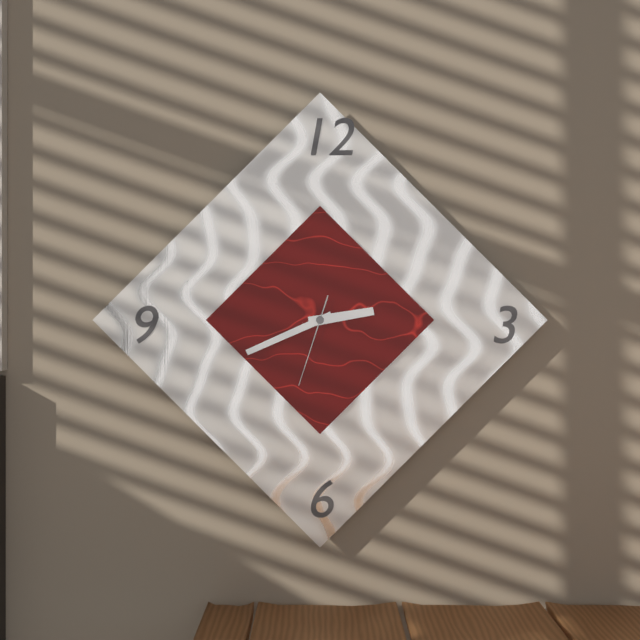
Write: 2 h 41 min 33 s
